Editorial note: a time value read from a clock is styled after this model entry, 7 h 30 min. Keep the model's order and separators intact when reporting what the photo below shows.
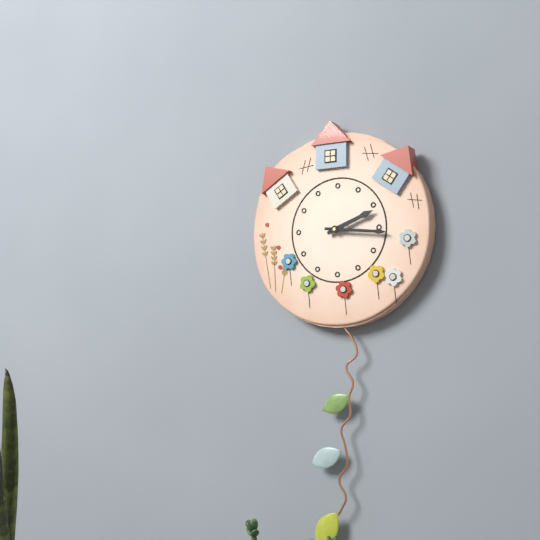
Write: 2 h 16 min
